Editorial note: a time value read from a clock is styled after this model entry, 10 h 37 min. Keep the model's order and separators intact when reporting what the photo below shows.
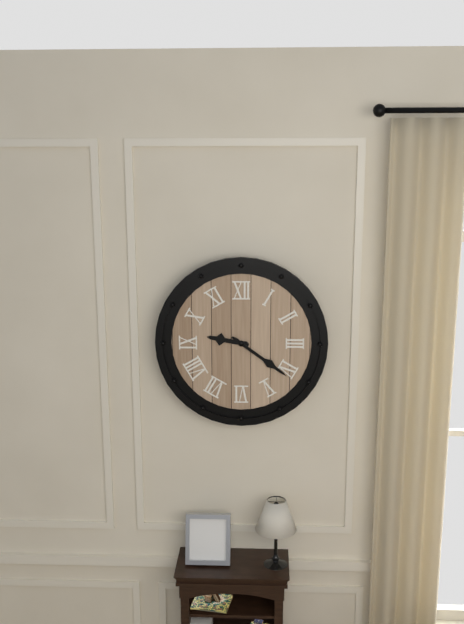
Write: 9 h 21 min
